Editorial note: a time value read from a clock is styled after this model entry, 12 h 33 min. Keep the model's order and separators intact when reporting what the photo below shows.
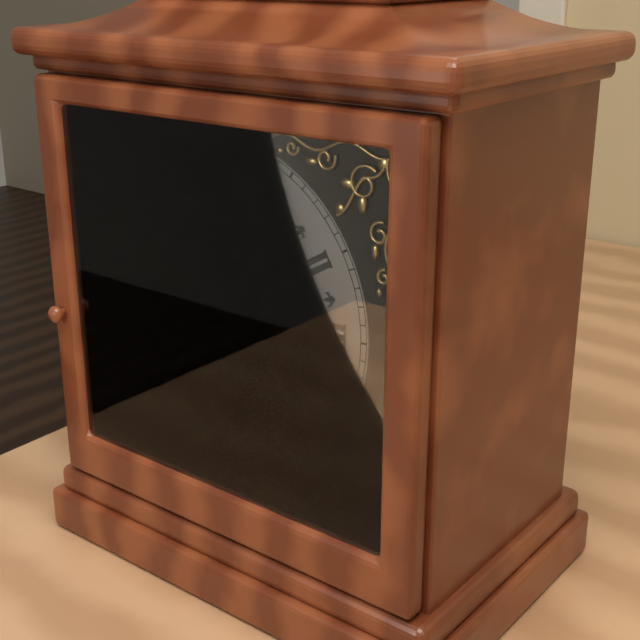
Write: 7 h 54 min
